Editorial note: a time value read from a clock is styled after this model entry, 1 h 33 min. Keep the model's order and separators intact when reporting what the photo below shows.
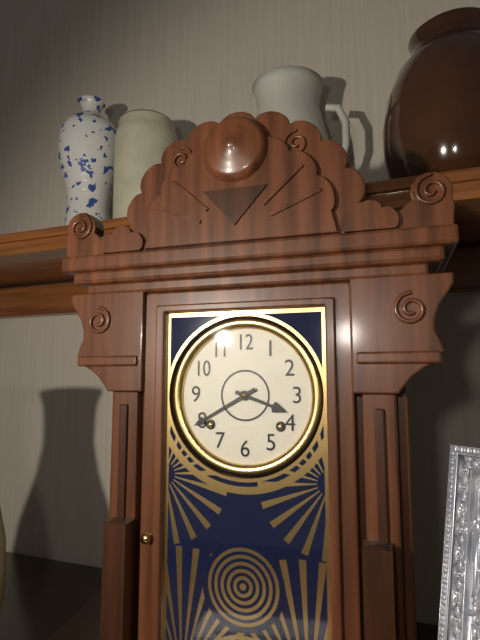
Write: 3 h 40 min
